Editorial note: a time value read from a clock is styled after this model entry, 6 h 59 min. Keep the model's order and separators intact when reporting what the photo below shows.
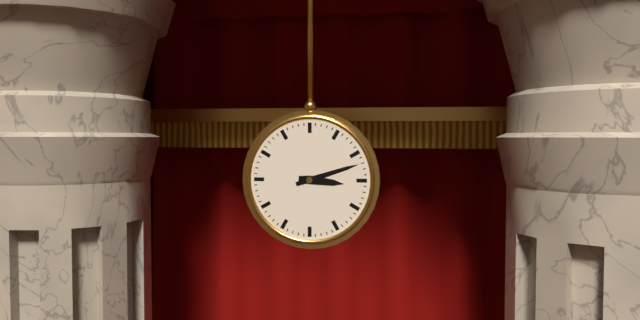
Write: 3 h 12 min
